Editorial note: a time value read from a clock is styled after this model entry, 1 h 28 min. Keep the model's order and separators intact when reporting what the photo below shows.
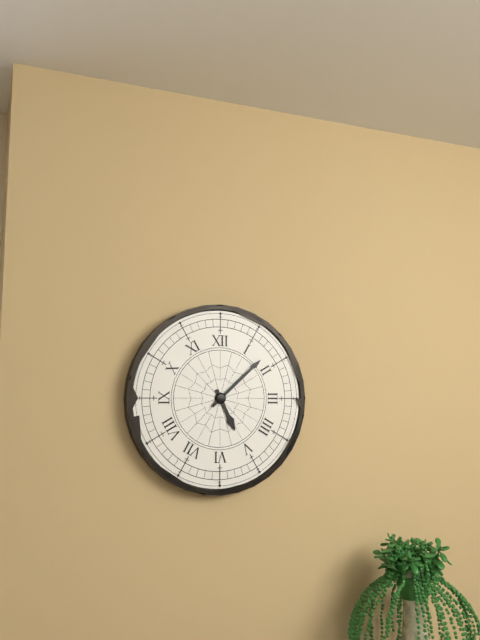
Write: 5 h 08 min
